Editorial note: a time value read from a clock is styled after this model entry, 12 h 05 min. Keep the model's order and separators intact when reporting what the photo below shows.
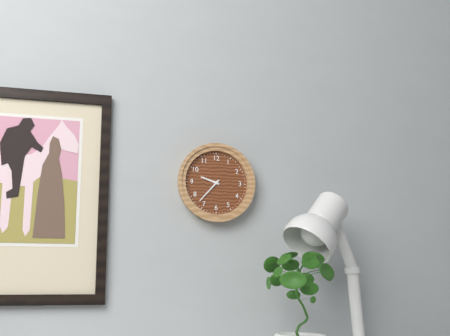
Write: 9 h 37 min
